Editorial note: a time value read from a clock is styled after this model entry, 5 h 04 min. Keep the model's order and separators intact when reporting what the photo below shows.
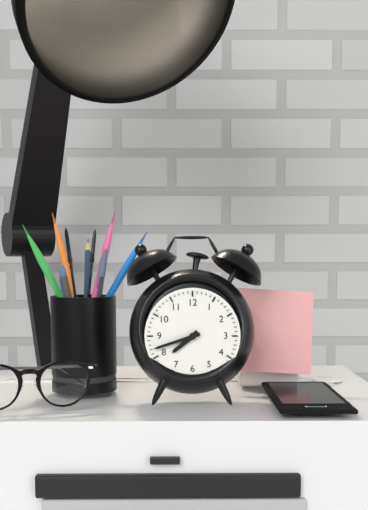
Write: 7 h 42 min
